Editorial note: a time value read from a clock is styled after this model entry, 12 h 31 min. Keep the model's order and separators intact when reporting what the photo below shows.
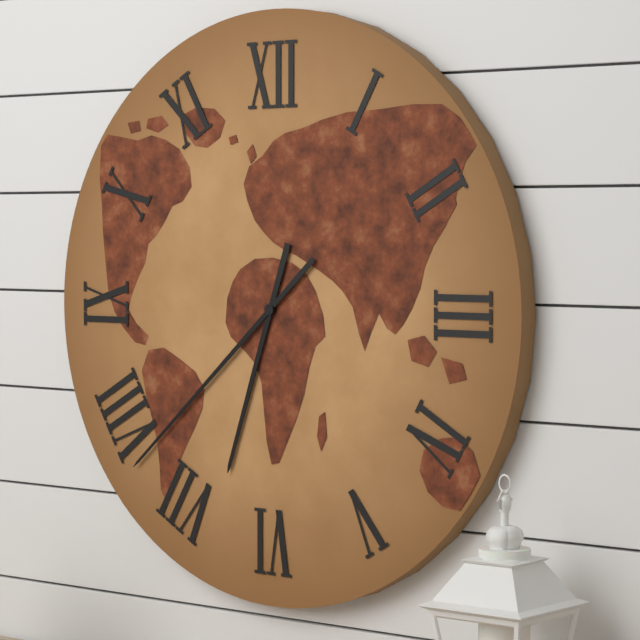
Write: 6 h 38 min
